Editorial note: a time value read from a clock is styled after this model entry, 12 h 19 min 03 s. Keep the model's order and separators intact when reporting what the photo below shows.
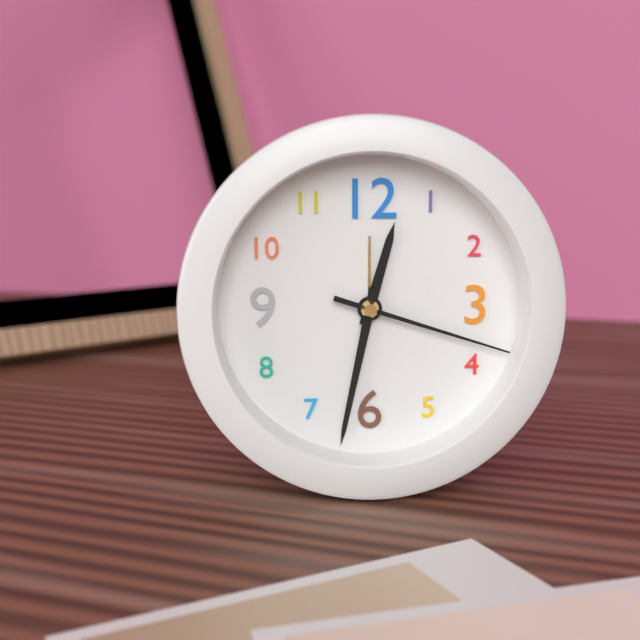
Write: 12 h 32 min 18 s
